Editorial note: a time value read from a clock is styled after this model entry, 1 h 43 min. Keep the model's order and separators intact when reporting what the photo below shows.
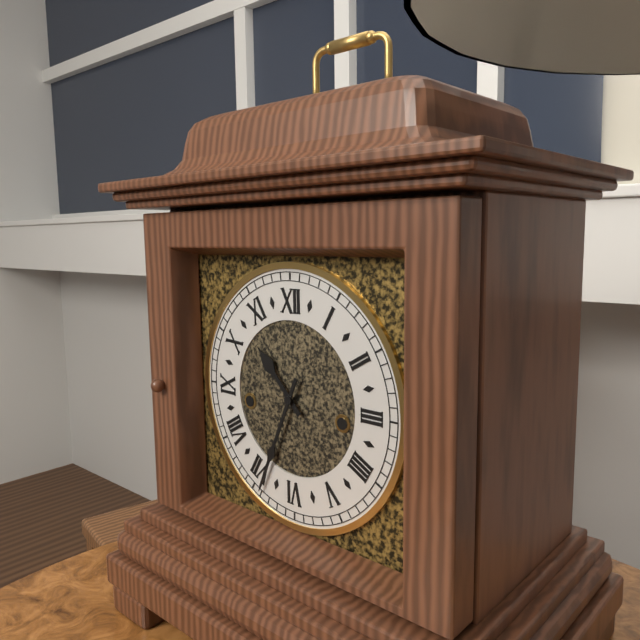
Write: 10 h 34 min
